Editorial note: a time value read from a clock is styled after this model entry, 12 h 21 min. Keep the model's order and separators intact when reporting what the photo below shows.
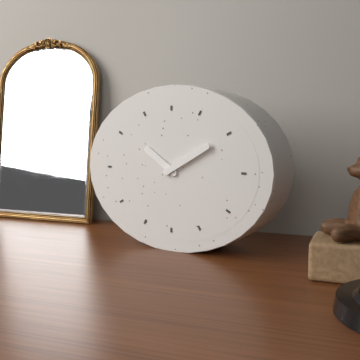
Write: 10 h 10 min
